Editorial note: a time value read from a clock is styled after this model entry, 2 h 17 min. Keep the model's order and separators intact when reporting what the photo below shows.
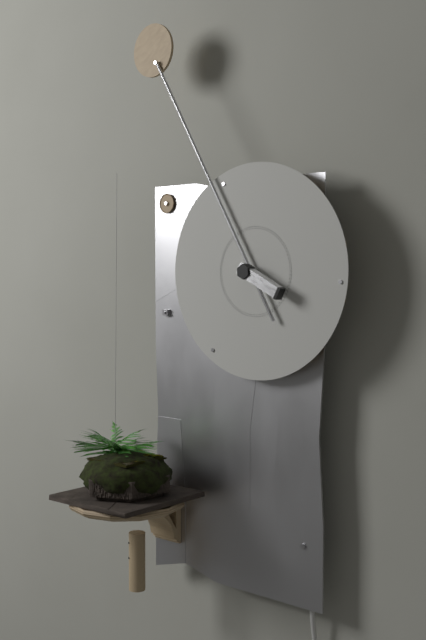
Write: 3 h 55 min
